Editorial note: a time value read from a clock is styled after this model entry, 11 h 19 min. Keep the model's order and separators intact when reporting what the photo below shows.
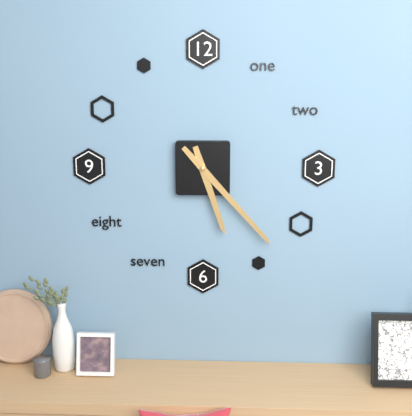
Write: 5 h 23 min
